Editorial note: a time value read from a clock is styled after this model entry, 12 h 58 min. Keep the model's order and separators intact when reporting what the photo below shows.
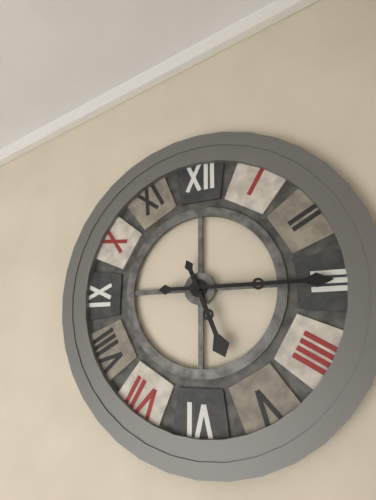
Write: 5 h 15 min
